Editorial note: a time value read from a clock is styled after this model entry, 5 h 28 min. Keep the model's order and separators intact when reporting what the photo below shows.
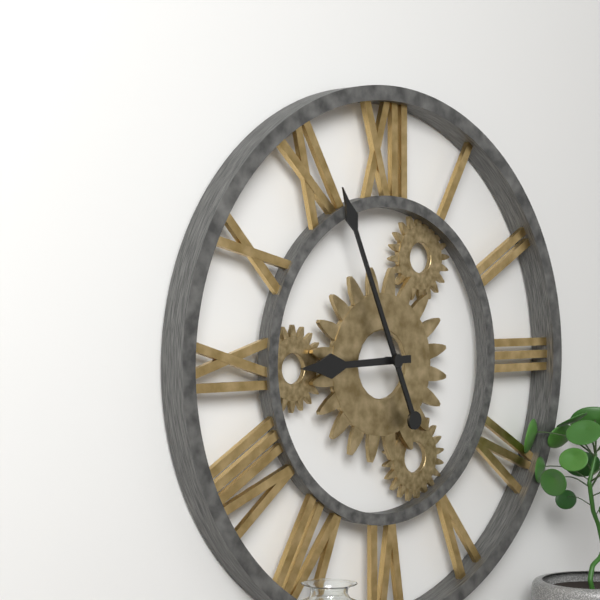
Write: 8 h 56 min
